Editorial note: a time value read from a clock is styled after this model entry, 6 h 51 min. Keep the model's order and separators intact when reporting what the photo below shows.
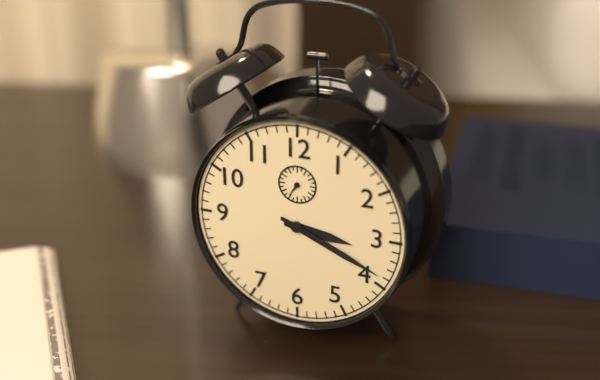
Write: 3 h 19 min
